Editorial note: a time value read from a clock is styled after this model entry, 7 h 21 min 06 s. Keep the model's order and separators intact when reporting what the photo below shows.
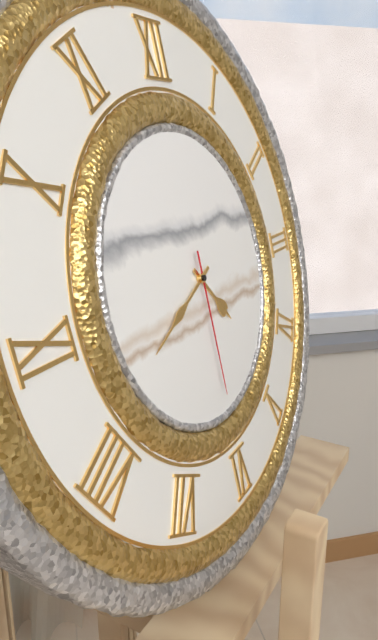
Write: 4 h 41 min 30 s
